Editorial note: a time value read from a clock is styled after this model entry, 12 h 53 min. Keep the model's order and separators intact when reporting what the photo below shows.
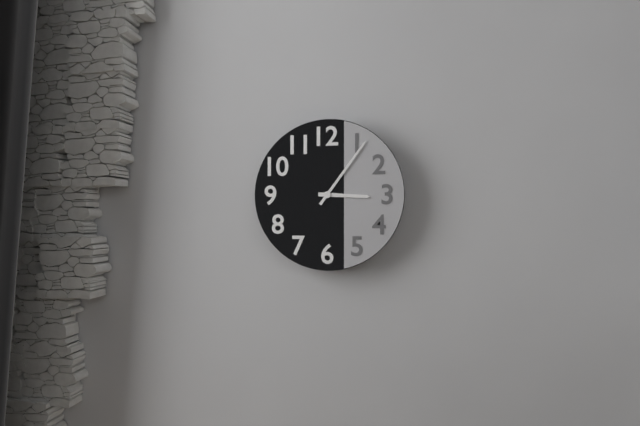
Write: 3 h 06 min
